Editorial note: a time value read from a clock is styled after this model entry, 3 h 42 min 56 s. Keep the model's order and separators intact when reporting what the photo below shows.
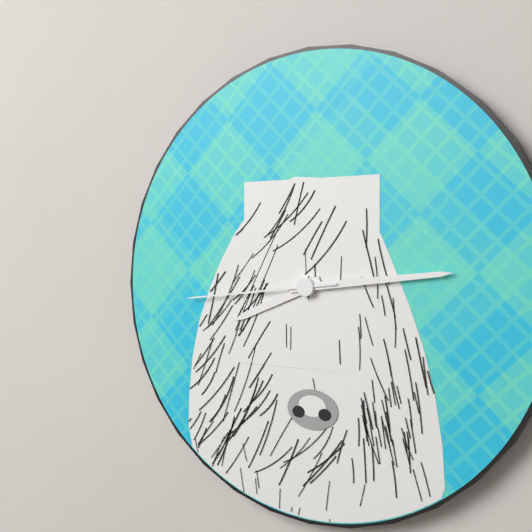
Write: 8 h 14 min 44 s
